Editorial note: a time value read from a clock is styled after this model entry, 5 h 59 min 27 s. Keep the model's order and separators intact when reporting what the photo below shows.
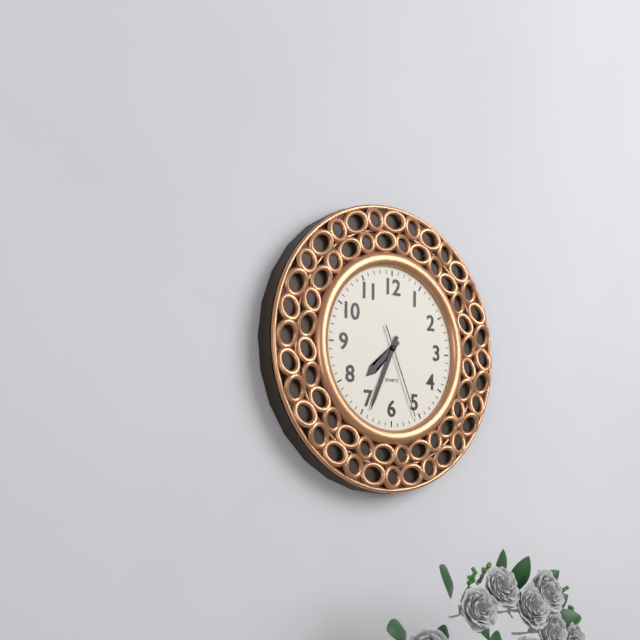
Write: 7 h 34 min 26 s
